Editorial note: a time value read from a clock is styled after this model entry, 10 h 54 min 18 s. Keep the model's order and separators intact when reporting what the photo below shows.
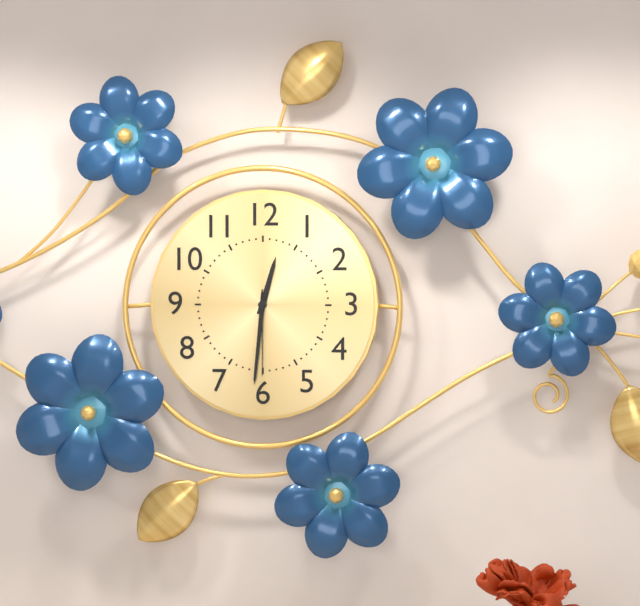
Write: 12 h 31 min 30 s
